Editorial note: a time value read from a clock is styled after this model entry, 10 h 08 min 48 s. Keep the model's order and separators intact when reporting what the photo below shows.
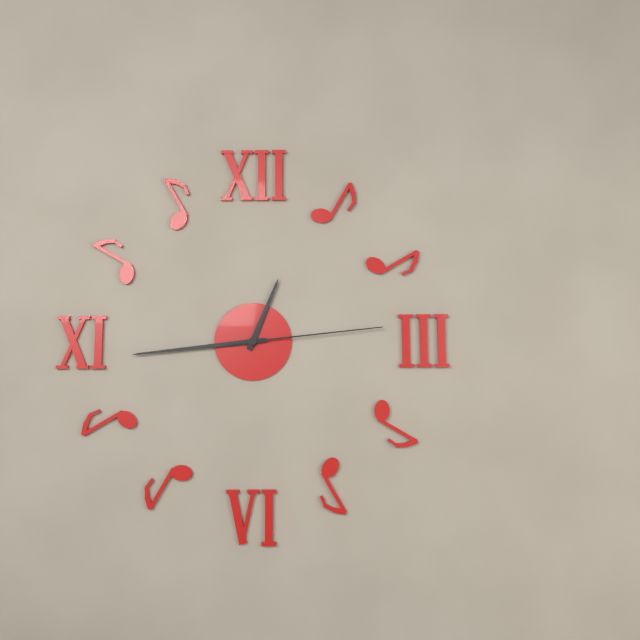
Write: 12 h 44 min 14 s
